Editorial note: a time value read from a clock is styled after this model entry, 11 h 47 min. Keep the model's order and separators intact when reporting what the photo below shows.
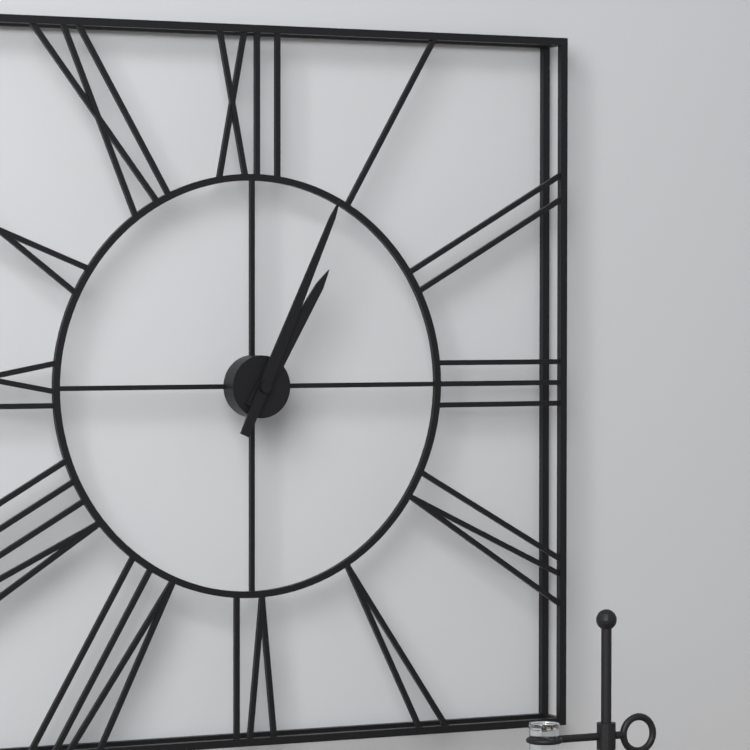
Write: 1 h 04 min
